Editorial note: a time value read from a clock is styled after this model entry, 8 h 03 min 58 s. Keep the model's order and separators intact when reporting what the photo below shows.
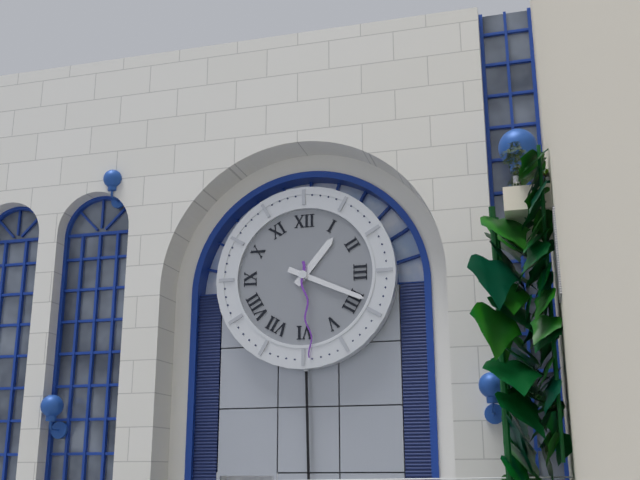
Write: 1 h 19 min 29 s
